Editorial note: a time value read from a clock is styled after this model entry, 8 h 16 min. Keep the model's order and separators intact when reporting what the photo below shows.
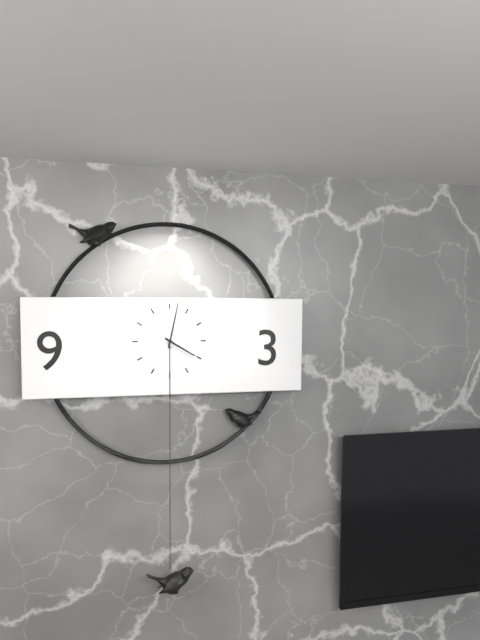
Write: 4 h 02 min
